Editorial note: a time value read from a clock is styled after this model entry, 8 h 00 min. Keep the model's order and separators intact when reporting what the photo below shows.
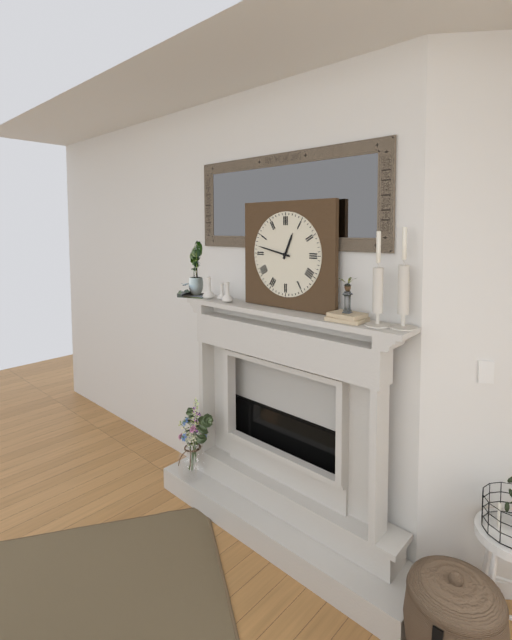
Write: 12 h 47 min
